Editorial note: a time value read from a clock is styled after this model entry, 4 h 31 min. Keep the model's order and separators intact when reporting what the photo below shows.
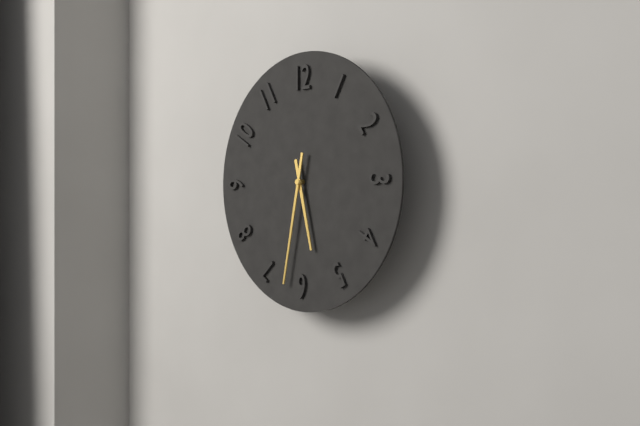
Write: 5 h 32 min
